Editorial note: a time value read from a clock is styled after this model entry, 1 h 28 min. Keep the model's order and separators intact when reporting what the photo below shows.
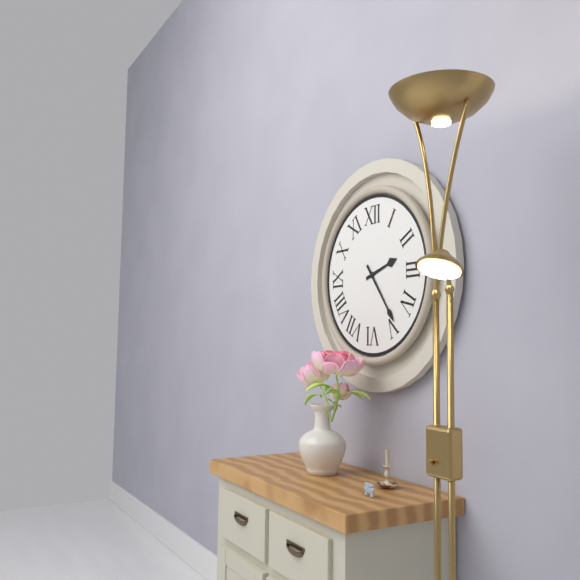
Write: 2 h 24 min
